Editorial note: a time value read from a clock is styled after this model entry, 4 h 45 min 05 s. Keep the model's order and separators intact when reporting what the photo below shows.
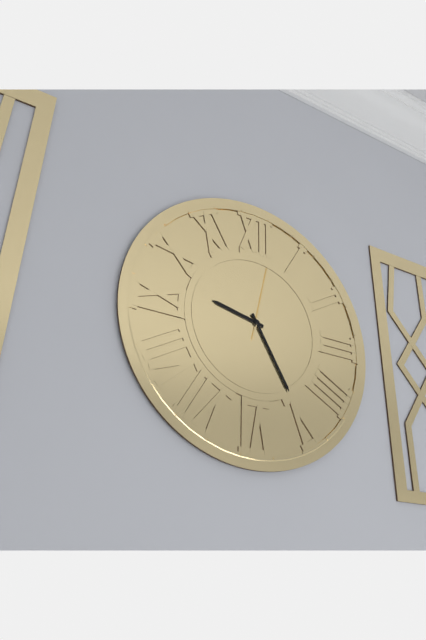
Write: 9 h 25 min 02 s
